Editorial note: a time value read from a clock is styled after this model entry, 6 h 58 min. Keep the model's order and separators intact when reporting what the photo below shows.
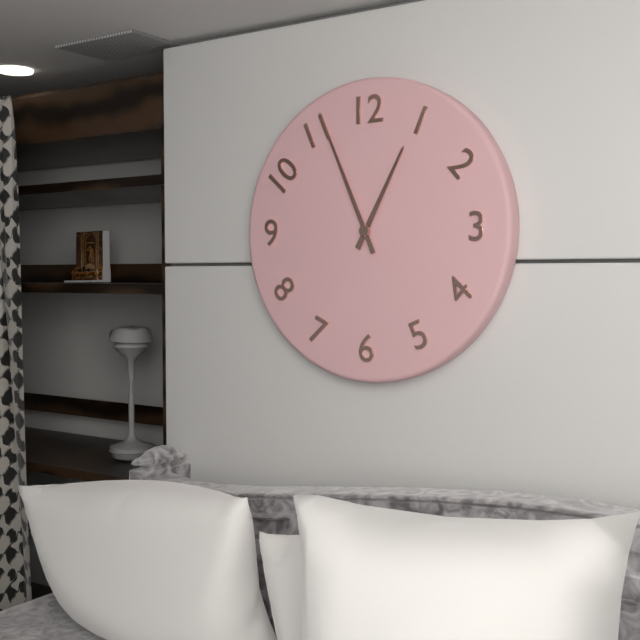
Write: 12 h 56 min
